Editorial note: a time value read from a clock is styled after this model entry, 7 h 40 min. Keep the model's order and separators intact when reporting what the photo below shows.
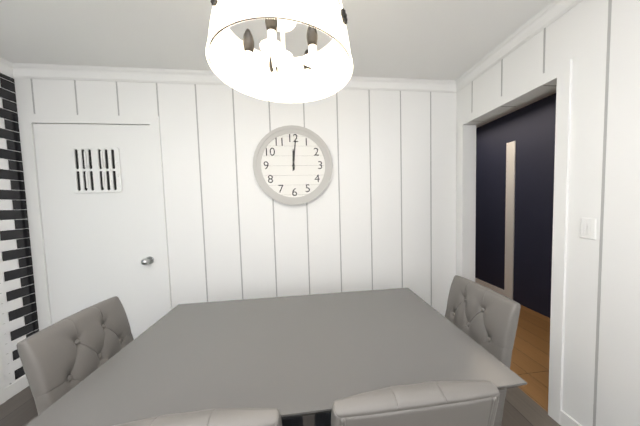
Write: 12 h 01 min
